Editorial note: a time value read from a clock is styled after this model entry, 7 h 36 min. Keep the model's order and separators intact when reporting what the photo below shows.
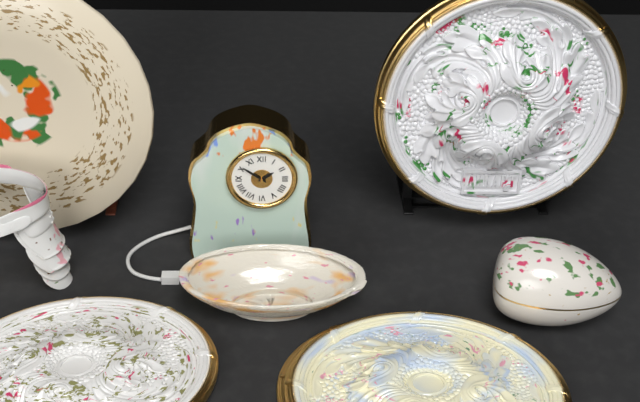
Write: 1 h 51 min
